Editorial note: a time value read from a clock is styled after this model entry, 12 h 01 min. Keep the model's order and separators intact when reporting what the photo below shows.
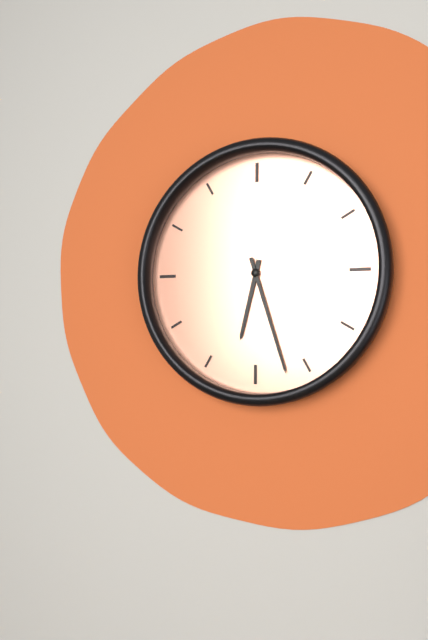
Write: 6 h 27 min
